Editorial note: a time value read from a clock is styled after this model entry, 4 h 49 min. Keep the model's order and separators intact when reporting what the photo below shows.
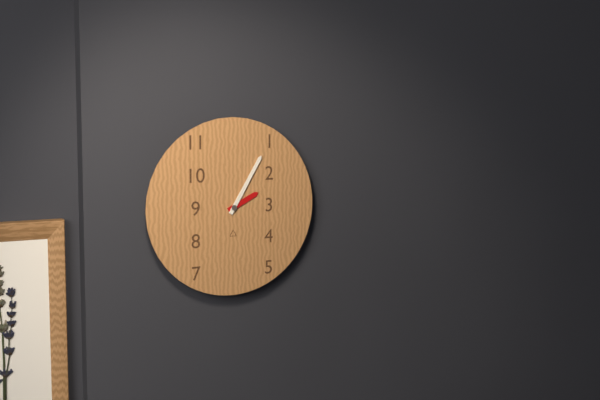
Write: 2 h 05 min
